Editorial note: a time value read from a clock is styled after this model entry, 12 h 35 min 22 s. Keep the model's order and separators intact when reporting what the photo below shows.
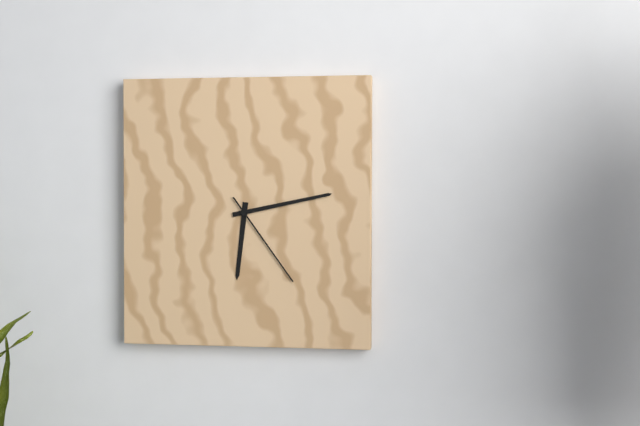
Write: 6 h 13 min 24 s
